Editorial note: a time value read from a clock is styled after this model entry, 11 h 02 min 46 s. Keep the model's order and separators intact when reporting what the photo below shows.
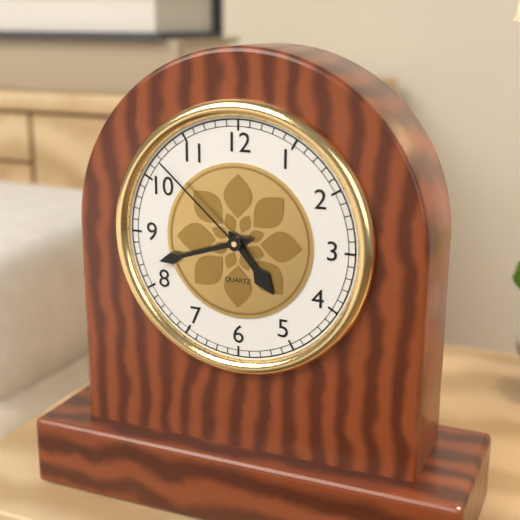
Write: 4 h 42 min 52 s
